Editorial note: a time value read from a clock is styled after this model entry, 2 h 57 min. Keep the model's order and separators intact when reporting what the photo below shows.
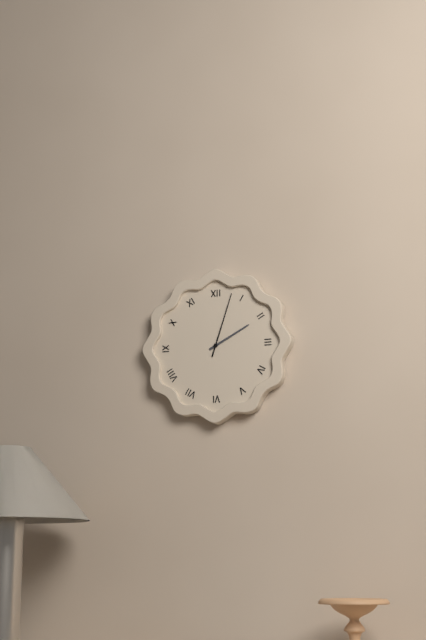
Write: 2 h 03 min
